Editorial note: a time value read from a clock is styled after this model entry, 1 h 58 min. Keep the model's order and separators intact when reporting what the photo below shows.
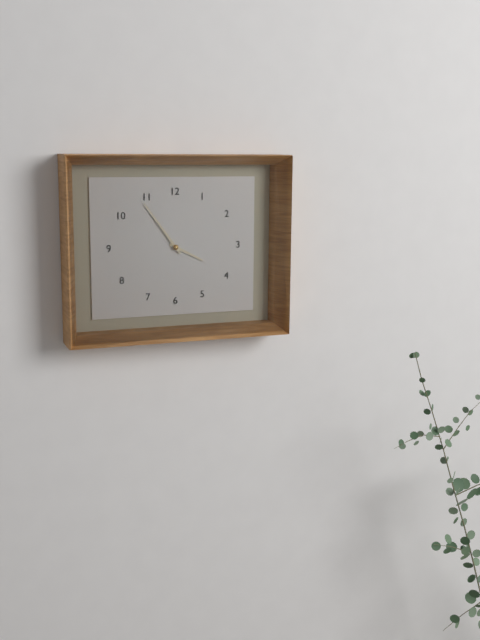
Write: 3 h 54 min
